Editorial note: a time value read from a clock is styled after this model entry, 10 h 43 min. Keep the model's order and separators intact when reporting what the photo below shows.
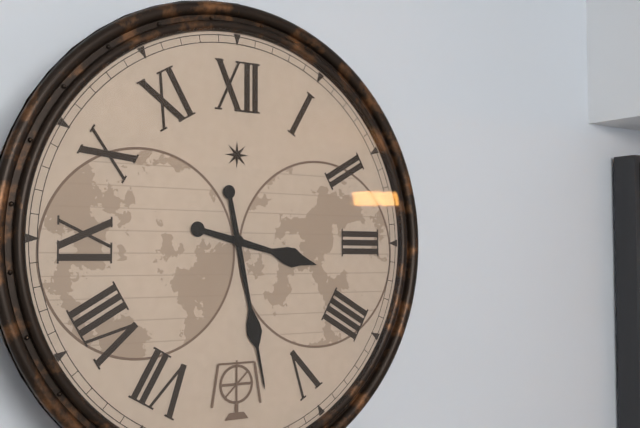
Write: 3 h 28 min
